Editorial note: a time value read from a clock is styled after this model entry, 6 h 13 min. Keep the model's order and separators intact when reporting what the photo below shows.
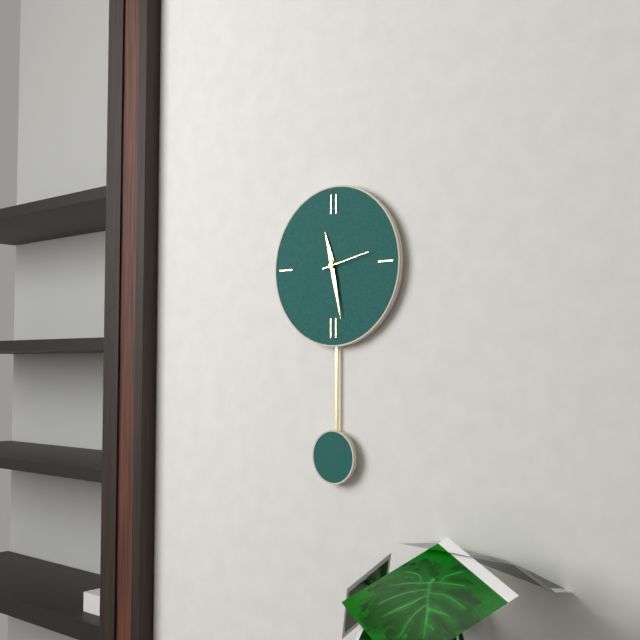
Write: 11 h 28 min
